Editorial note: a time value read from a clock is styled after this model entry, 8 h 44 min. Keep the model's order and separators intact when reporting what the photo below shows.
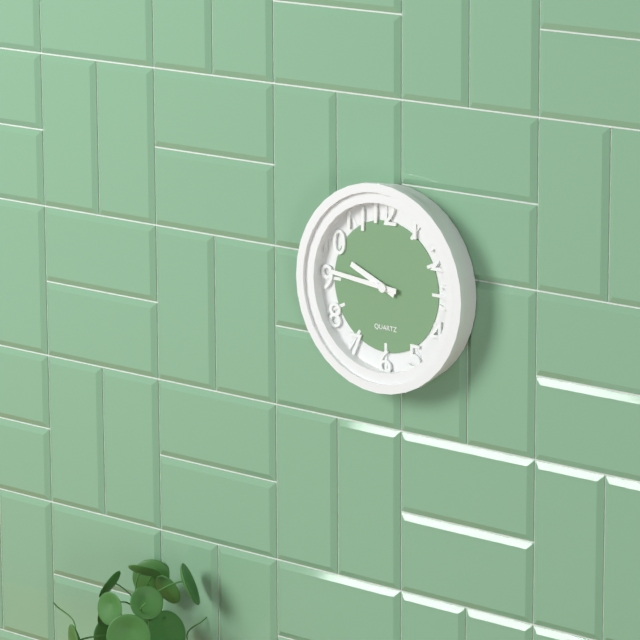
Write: 9 h 46 min
